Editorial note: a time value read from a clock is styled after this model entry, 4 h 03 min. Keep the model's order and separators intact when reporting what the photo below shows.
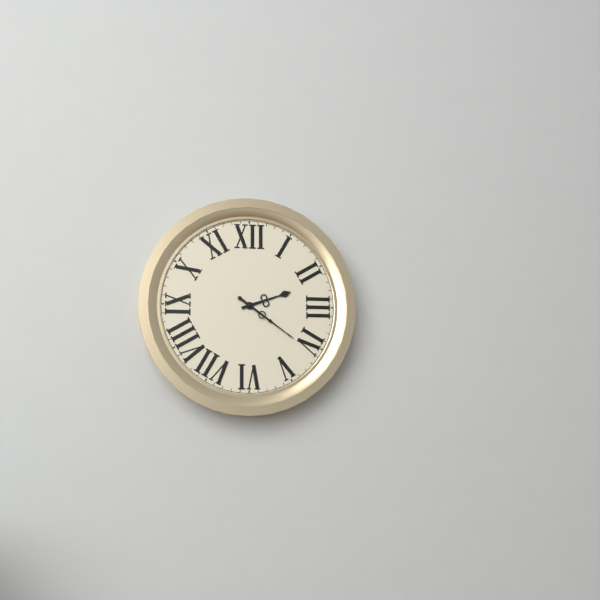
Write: 2 h 21 min
